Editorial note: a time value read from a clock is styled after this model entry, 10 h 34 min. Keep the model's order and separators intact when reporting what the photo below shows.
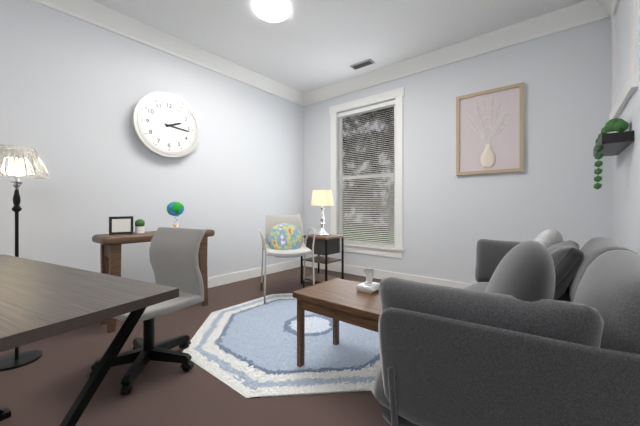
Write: 2 h 16 min
